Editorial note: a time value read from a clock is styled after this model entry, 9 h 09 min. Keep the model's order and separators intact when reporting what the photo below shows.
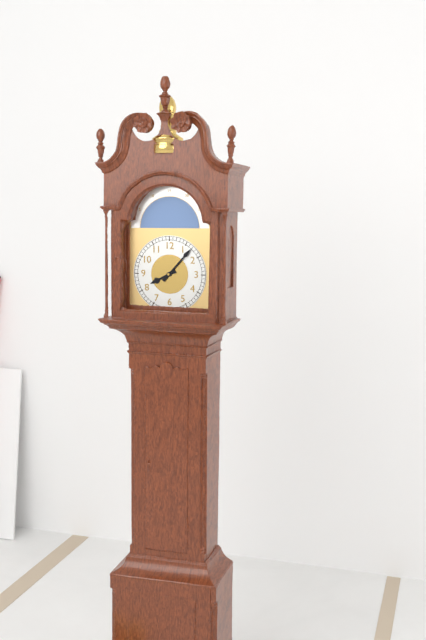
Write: 8 h 07 min
